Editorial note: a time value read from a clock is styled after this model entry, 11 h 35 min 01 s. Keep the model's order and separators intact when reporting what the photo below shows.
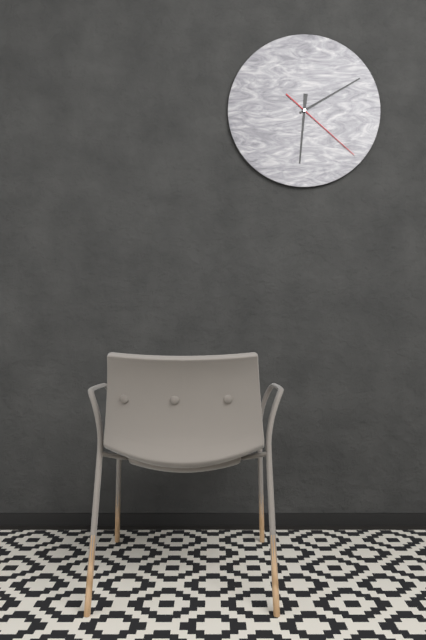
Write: 6 h 10 min 22 s
